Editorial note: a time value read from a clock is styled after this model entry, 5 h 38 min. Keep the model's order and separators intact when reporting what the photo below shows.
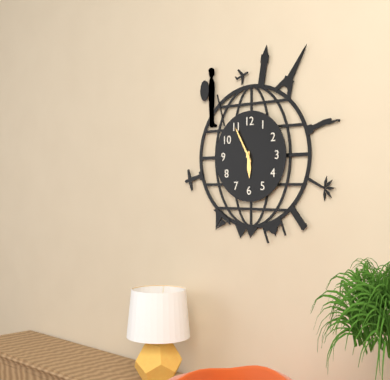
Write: 5 h 55 min
